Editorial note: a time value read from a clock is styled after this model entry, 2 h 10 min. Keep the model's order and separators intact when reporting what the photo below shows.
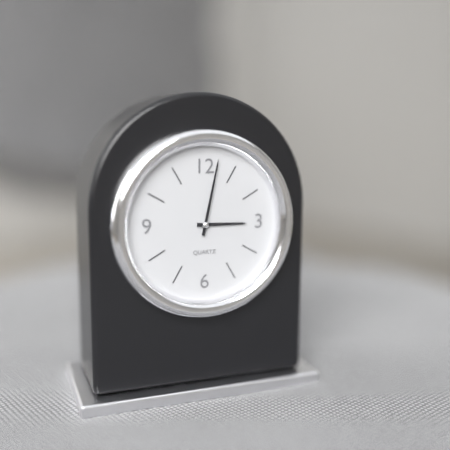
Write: 3 h 02 min
